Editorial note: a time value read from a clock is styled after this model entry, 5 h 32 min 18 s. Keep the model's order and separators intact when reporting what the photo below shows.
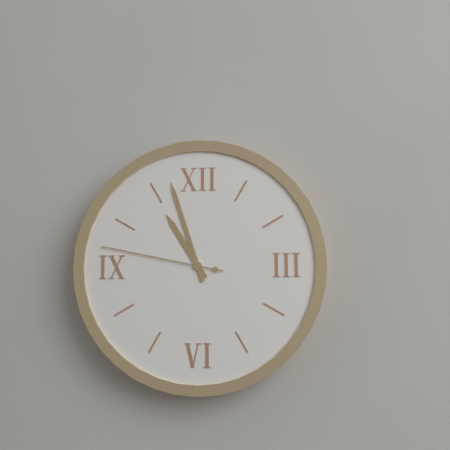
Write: 10 h 57 min 47 s
